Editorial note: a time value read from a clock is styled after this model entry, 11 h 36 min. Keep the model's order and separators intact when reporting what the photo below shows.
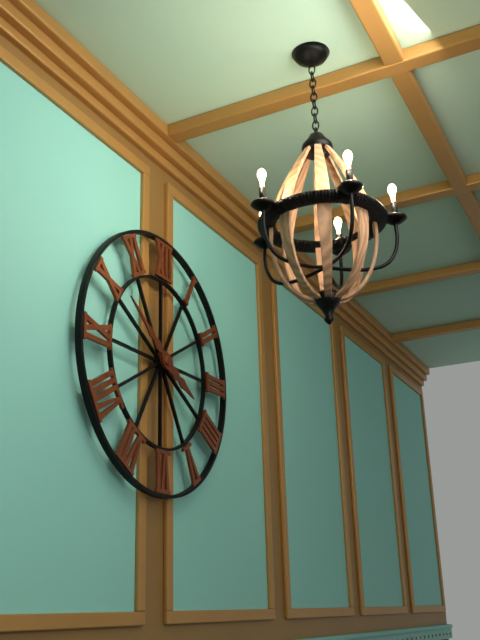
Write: 3 h 51 min
